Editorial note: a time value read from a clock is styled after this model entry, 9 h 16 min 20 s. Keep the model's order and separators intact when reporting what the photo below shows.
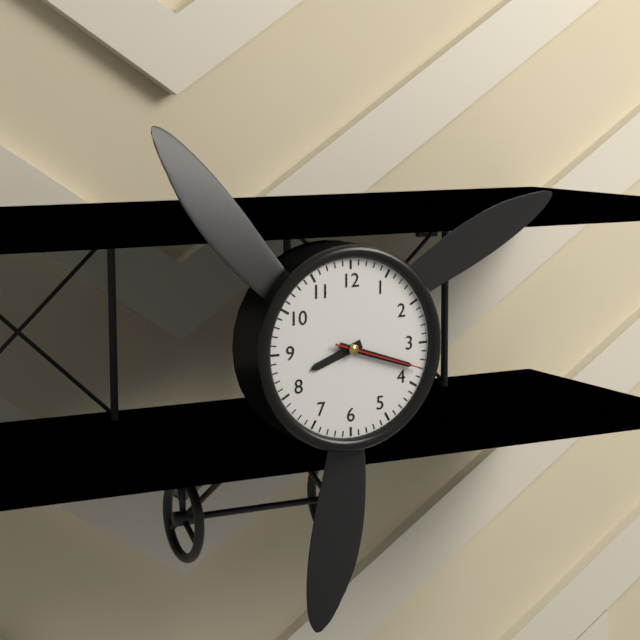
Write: 8 h 18 min 18 s
